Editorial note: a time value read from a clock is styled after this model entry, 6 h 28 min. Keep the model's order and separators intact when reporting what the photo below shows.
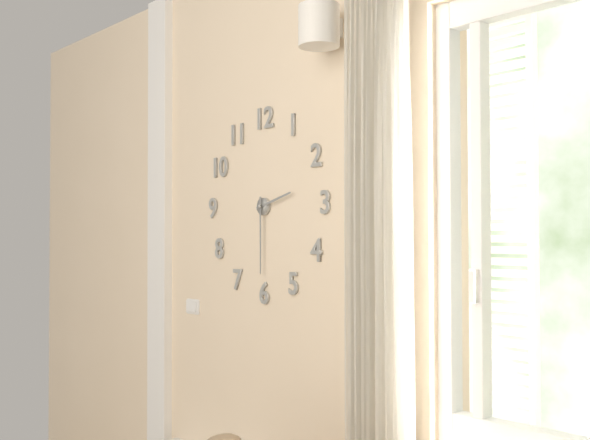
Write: 2 h 30 min
